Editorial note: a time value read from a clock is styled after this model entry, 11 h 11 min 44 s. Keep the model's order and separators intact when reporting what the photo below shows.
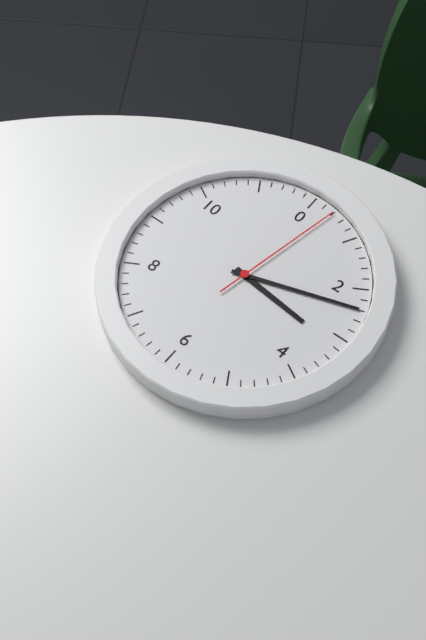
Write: 3 h 12 min 02 s
